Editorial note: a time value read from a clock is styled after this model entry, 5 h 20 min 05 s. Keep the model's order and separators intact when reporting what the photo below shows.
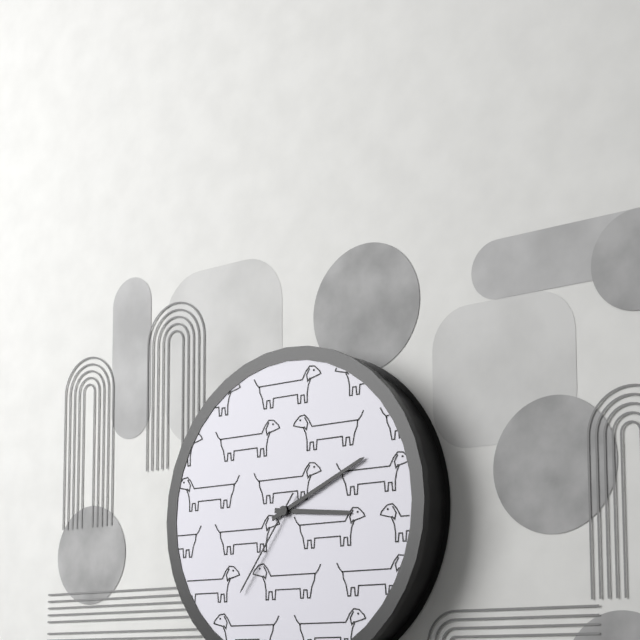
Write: 3 h 11 min 36 s
